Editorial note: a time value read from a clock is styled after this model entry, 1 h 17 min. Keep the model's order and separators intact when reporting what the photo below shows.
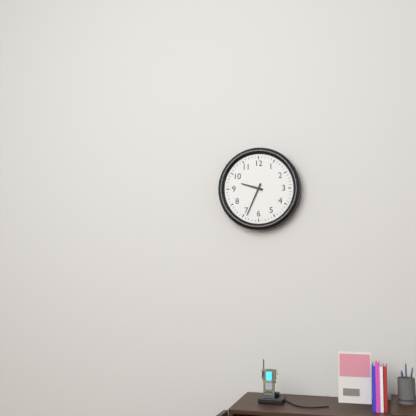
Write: 9 h 34 min
